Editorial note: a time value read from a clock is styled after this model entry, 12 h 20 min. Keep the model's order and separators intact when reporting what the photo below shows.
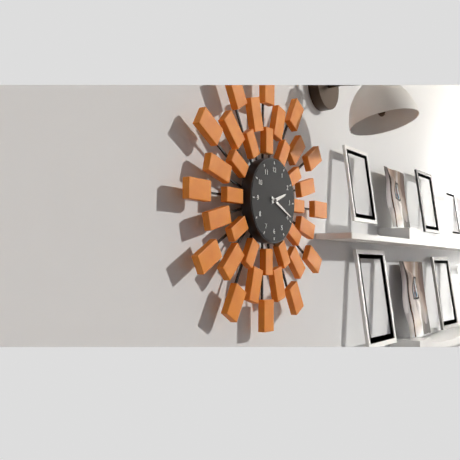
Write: 2 h 19 min
